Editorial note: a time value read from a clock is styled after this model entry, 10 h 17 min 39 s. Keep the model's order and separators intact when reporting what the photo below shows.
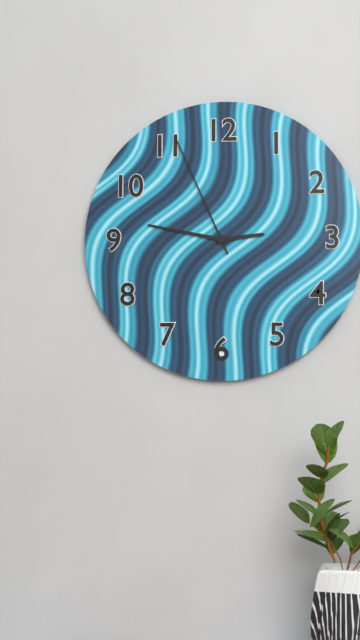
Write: 2 h 47 min 56 s
